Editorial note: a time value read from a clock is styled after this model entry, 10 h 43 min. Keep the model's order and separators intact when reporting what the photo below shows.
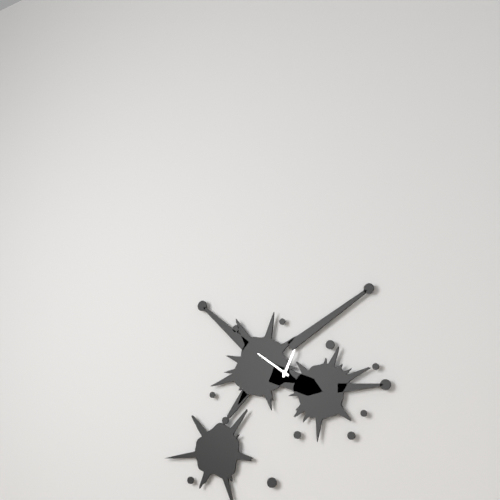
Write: 12 h 51 min
